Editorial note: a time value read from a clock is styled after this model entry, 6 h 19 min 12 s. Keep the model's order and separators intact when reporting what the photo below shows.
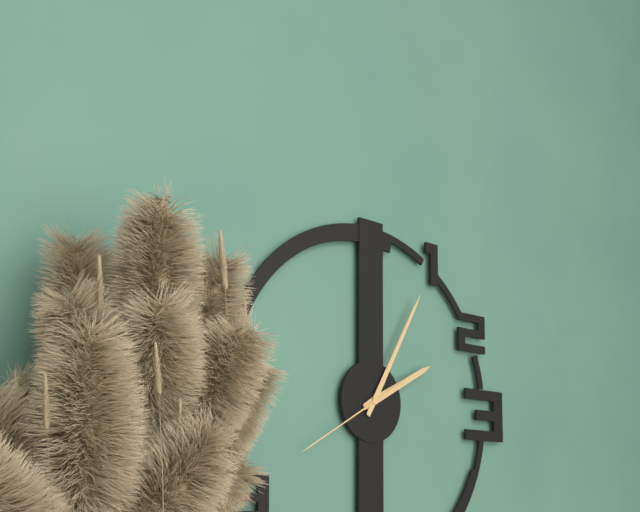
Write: 2 h 05 min 40 s
